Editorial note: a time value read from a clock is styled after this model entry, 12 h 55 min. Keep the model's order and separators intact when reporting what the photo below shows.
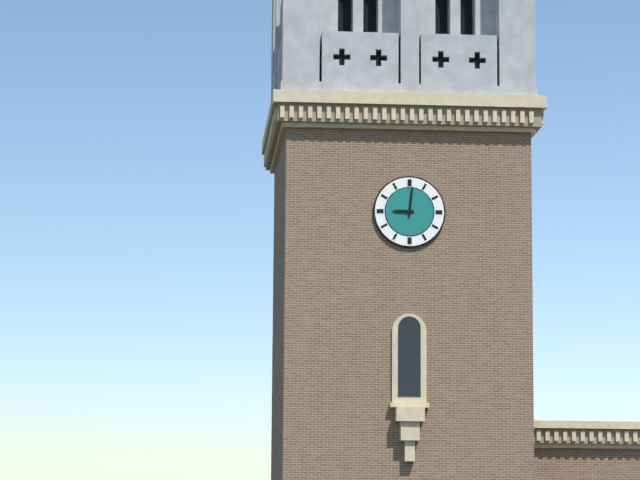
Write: 9 h 01 min
